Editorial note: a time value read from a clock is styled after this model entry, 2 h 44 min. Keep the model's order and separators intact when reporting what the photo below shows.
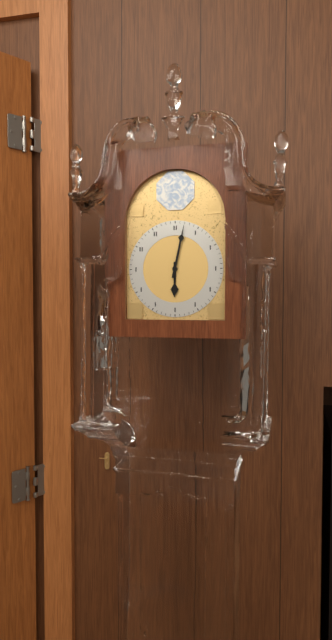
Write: 6 h 02 min
